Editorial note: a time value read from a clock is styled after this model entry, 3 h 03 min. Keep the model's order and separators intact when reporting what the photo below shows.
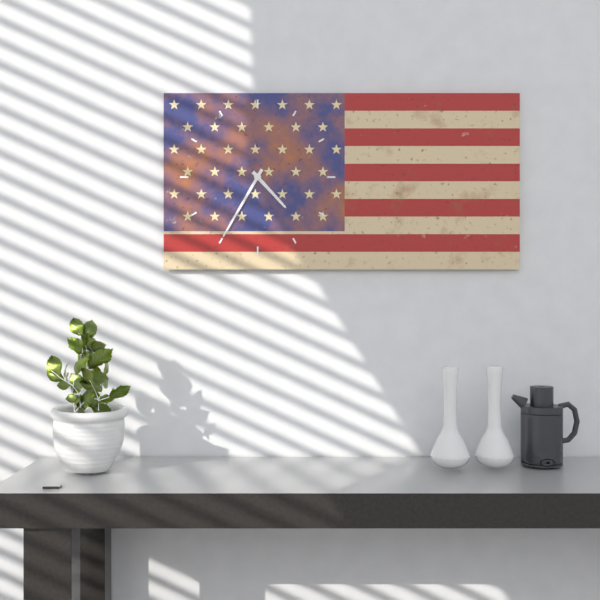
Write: 4 h 35 min
